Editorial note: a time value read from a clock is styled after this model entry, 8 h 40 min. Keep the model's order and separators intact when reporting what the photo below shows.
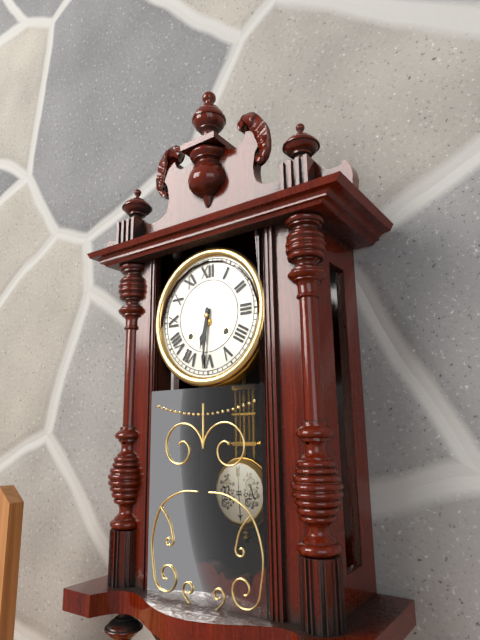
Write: 6 h 31 min
